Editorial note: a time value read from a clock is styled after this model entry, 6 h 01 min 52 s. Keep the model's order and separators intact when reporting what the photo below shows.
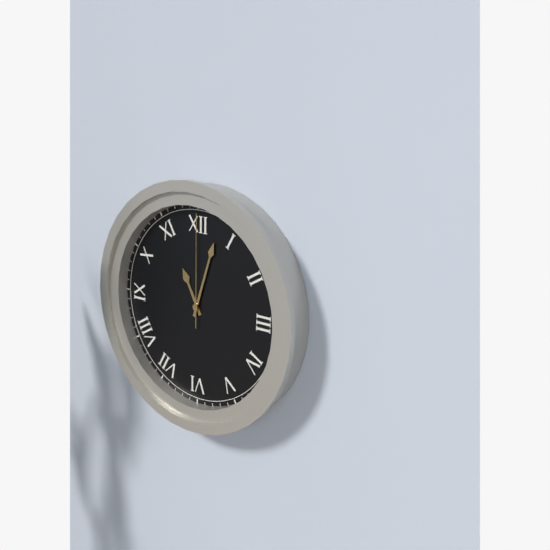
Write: 11 h 03 min 00 s
